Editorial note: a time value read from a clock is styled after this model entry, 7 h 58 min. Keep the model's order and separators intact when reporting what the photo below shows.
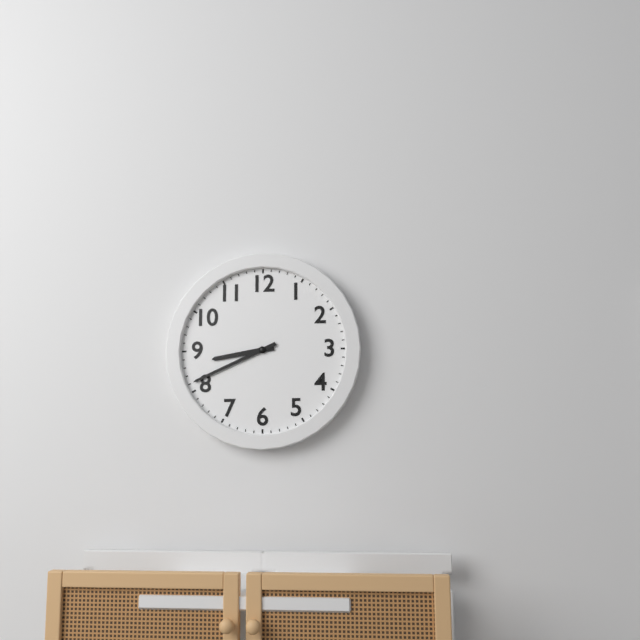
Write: 8 h 41 min
